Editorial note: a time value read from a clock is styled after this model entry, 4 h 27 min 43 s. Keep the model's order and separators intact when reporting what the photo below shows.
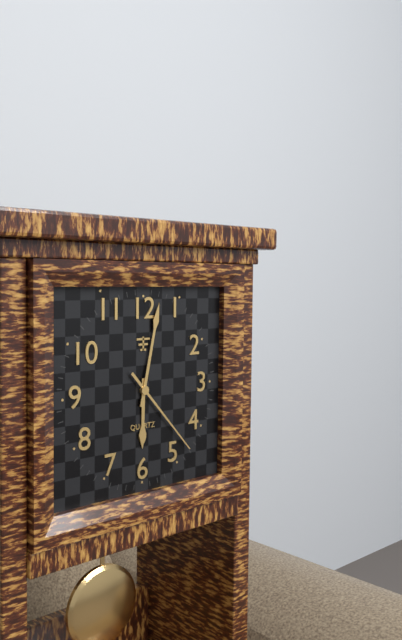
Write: 6 h 02 min 23 s
